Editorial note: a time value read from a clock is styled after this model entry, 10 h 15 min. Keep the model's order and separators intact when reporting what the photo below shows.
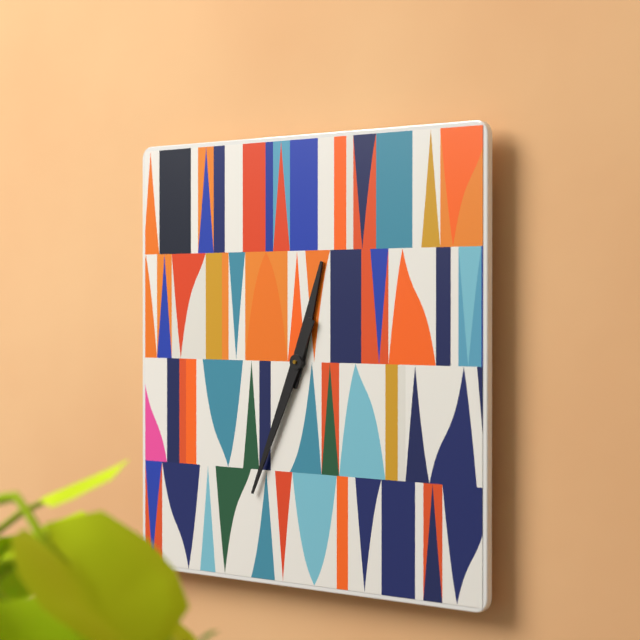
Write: 12 h 34 min
